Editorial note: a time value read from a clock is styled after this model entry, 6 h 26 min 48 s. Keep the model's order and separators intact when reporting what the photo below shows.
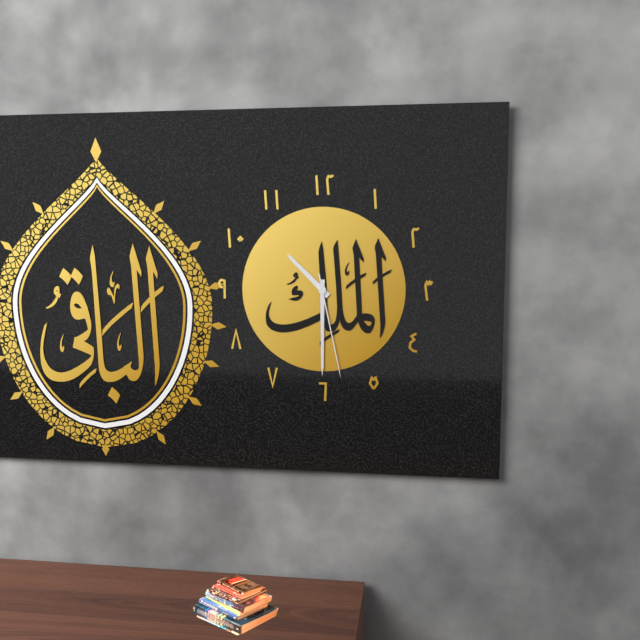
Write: 10 h 30 min 28 s
